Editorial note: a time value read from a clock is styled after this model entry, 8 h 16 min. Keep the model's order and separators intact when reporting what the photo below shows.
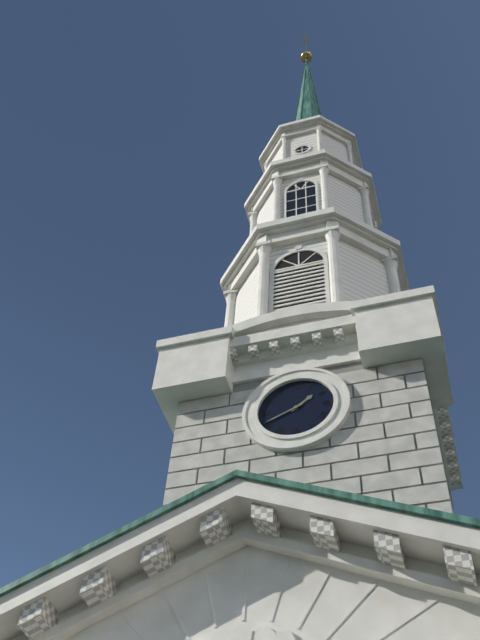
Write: 1 h 41 min
